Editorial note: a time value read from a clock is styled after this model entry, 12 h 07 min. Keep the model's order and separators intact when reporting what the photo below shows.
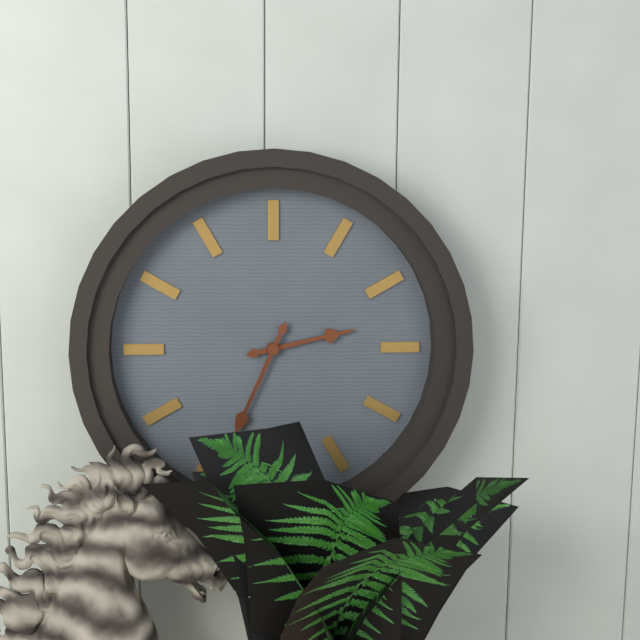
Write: 2 h 34 min
